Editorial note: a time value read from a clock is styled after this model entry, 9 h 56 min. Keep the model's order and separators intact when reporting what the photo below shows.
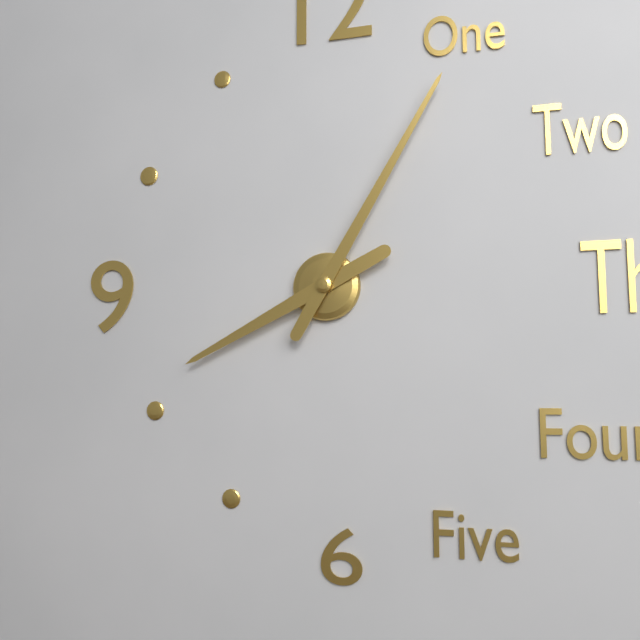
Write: 8 h 05 min
